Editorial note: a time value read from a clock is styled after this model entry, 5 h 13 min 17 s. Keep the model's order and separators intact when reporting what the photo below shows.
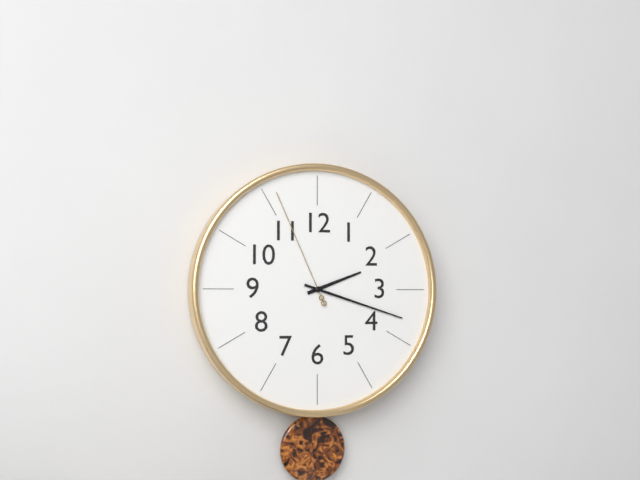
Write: 2 h 18 min 56 s
